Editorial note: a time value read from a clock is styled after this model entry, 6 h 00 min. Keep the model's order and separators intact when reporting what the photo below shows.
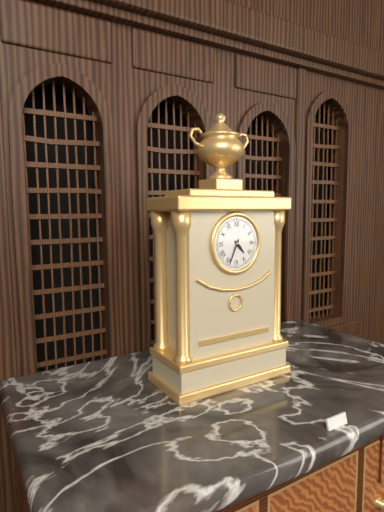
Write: 4 h 34 min
